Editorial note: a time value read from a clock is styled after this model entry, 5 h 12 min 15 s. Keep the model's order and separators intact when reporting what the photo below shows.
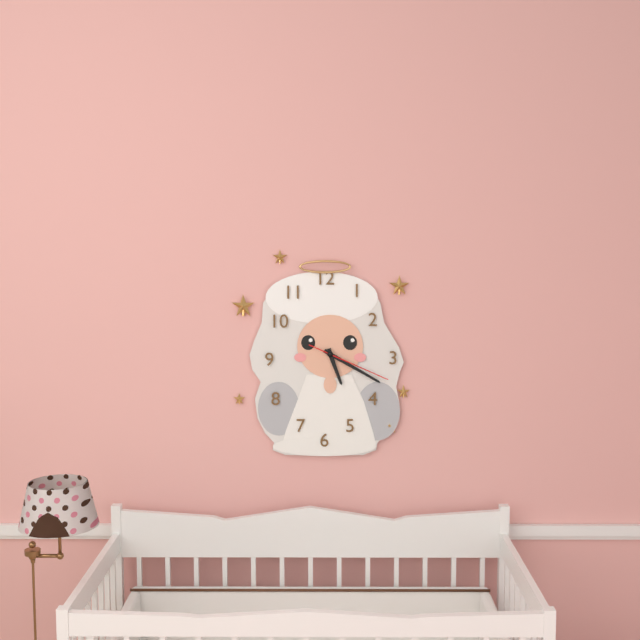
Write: 5 h 20 min 19 s
